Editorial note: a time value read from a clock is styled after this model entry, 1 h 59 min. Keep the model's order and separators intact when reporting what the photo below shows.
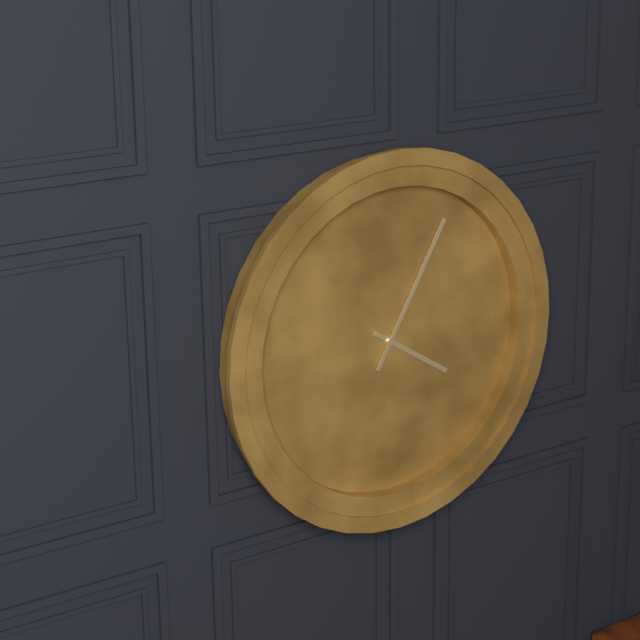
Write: 4 h 05 min
